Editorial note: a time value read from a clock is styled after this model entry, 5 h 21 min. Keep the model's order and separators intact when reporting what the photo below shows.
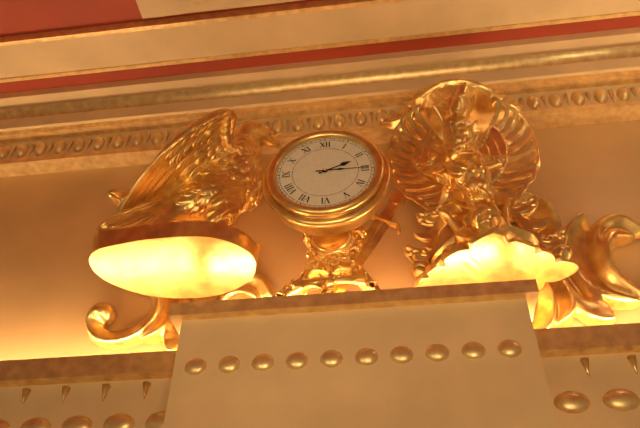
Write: 2 h 15 min
